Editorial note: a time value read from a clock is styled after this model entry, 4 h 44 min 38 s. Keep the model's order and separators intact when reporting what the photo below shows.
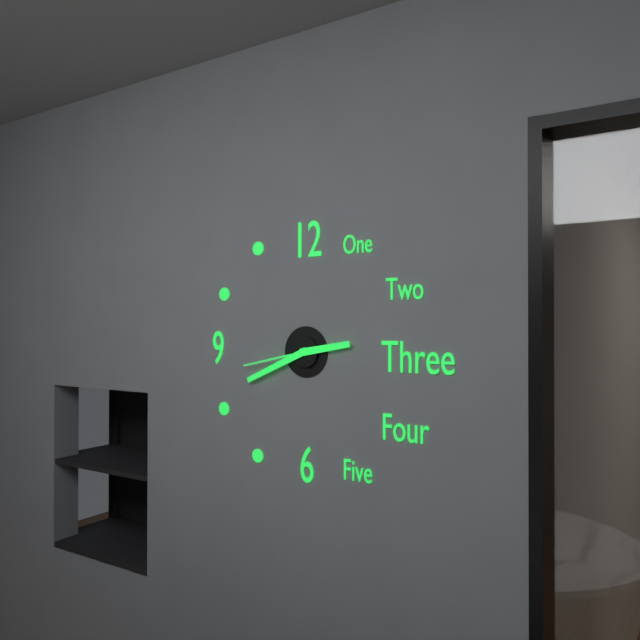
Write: 2 h 41 min 43 s
